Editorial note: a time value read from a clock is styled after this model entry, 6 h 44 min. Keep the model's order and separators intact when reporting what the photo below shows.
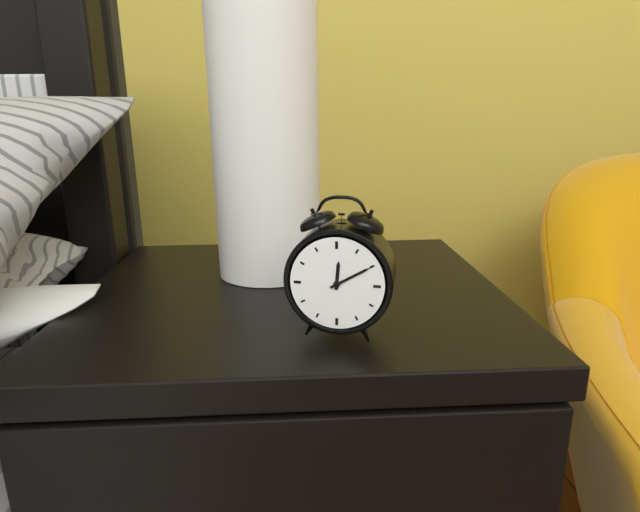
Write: 12 h 10 min
